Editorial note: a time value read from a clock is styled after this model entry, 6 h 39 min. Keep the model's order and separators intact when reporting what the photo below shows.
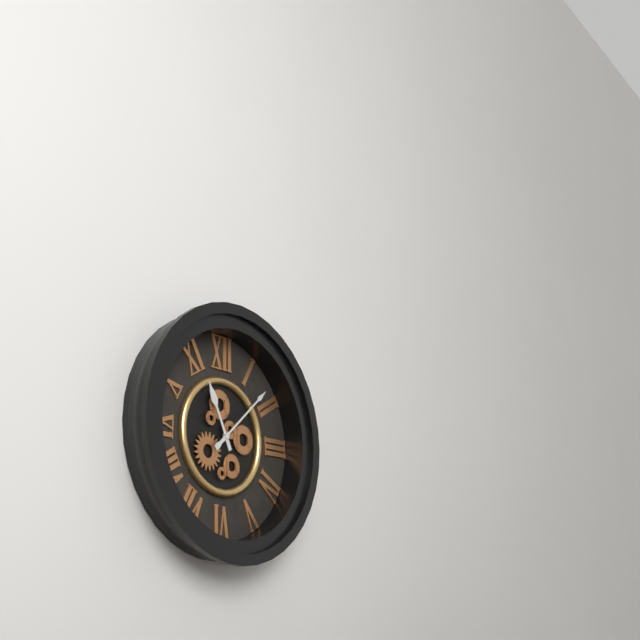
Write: 11 h 08 min
